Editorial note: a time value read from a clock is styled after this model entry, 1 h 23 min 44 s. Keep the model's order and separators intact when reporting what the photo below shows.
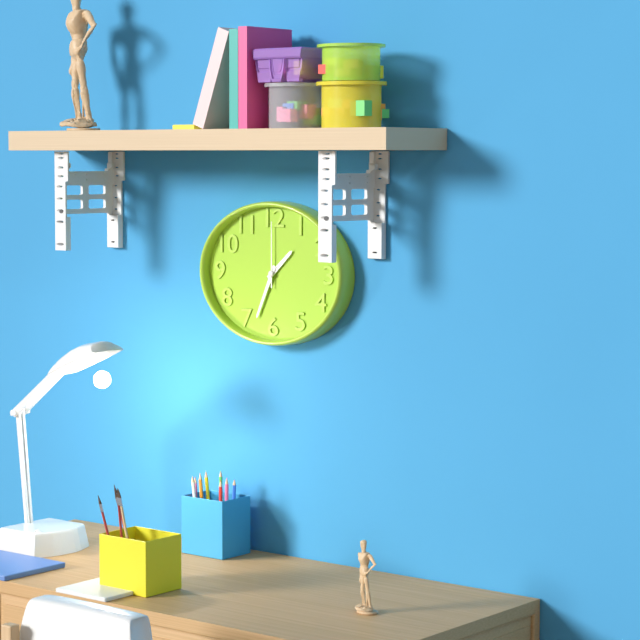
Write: 1 h 34 min 00 s
